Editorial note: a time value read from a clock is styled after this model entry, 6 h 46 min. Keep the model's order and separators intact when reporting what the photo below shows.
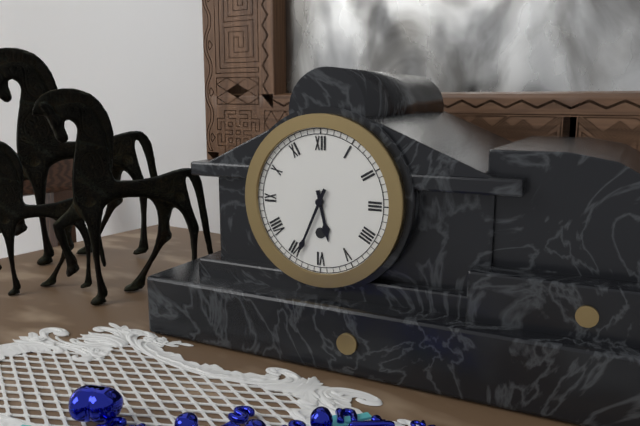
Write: 5 h 34 min
